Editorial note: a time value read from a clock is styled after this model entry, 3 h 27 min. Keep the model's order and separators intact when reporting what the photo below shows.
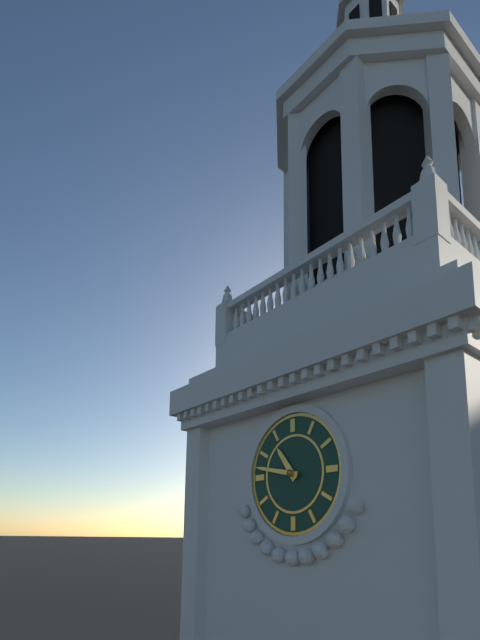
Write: 10 h 47 min
